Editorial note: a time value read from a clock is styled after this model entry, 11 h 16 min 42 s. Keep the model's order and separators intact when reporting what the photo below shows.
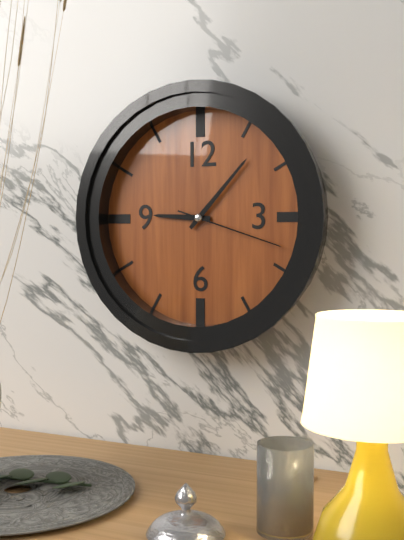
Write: 9 h 07 min 18 s
